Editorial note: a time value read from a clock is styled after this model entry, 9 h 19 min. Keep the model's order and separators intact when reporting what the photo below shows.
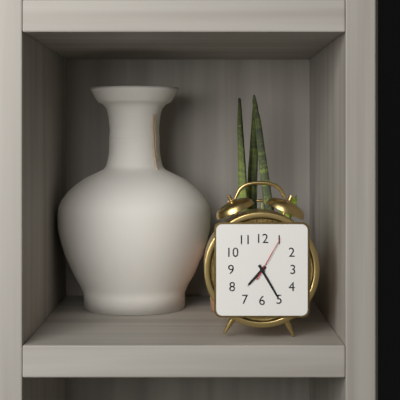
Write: 7 h 25 min
